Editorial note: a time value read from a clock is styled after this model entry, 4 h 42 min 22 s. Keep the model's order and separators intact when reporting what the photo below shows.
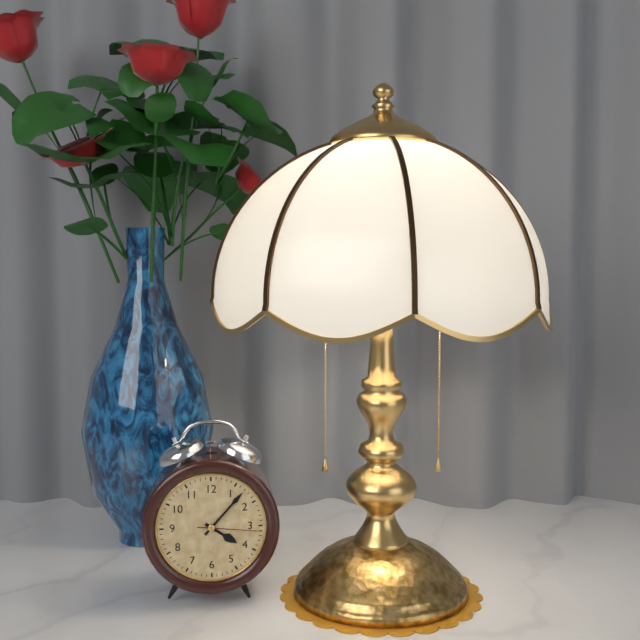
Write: 4 h 07 min 16 s
